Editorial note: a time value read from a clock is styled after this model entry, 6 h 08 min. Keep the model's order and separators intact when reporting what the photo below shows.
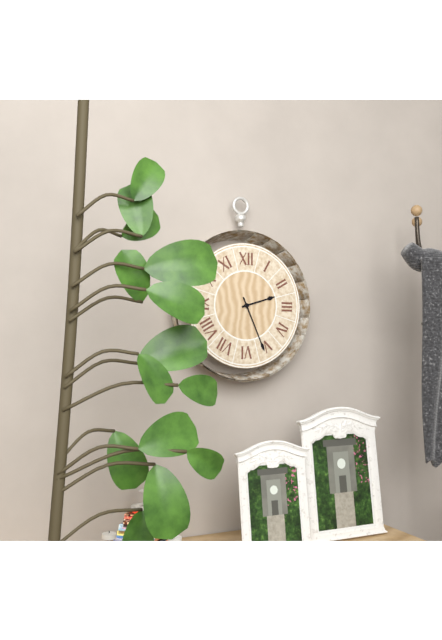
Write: 2 h 26 min
